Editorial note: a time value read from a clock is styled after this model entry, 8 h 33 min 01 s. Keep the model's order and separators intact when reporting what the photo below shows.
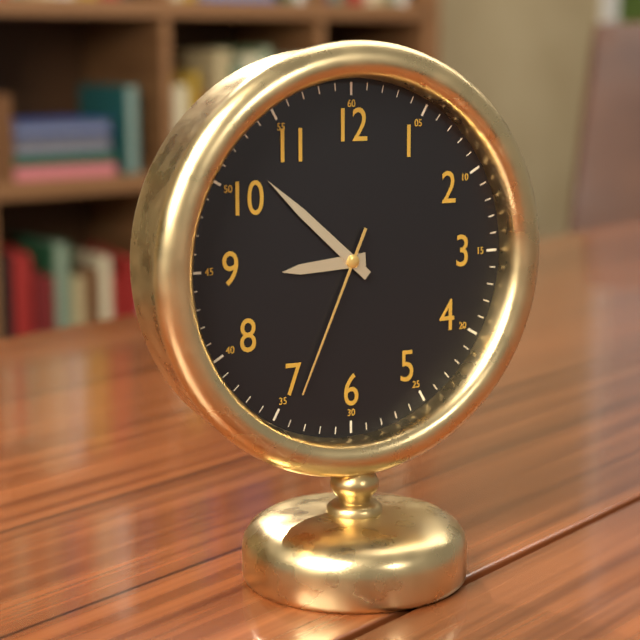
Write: 8 h 52 min 34 s
